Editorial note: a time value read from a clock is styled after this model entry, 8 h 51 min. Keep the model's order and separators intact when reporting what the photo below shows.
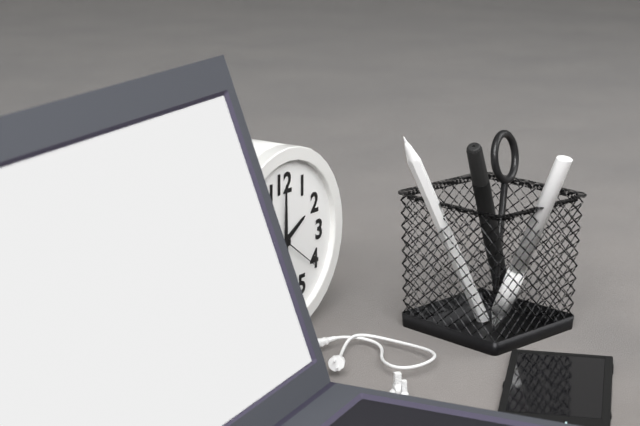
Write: 2 h 00 min
